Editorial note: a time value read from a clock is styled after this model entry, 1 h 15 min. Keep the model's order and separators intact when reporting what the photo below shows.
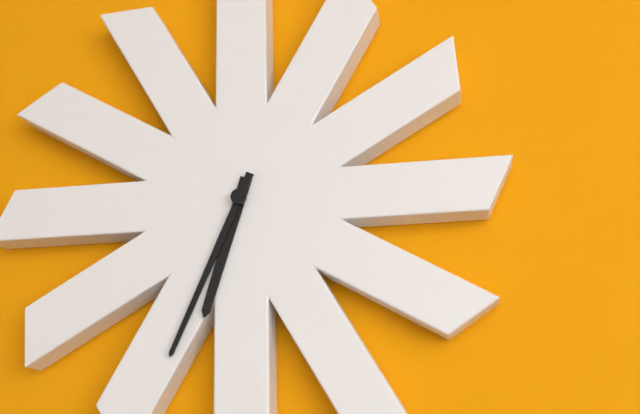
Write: 6 h 34 min
